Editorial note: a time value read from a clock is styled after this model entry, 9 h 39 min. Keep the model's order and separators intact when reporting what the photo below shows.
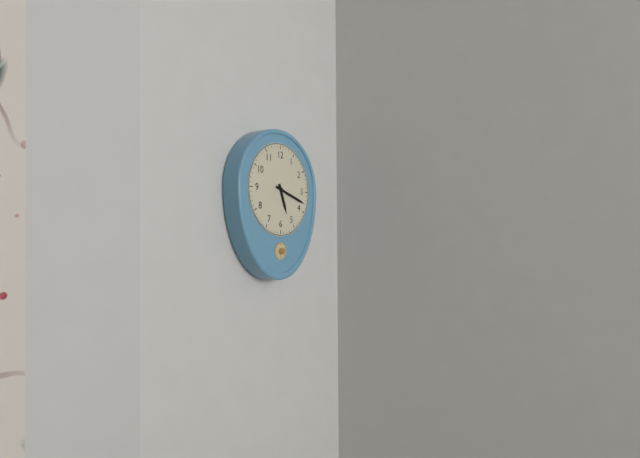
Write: 5 h 18 min
